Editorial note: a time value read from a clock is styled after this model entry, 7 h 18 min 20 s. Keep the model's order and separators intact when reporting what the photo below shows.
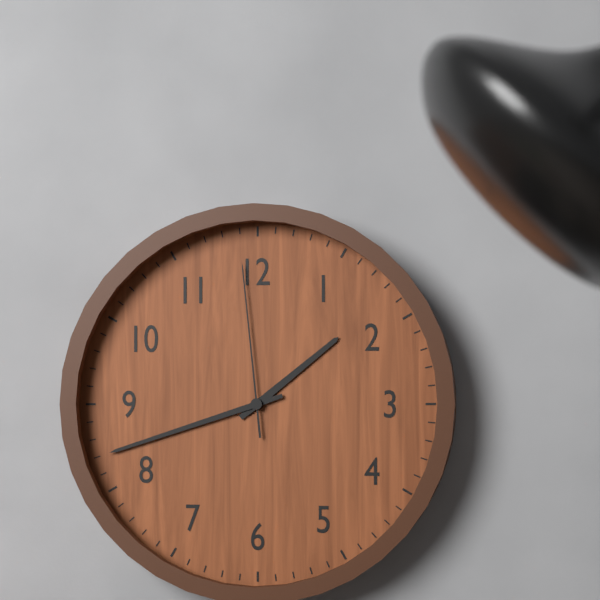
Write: 1 h 42 min 59 s
